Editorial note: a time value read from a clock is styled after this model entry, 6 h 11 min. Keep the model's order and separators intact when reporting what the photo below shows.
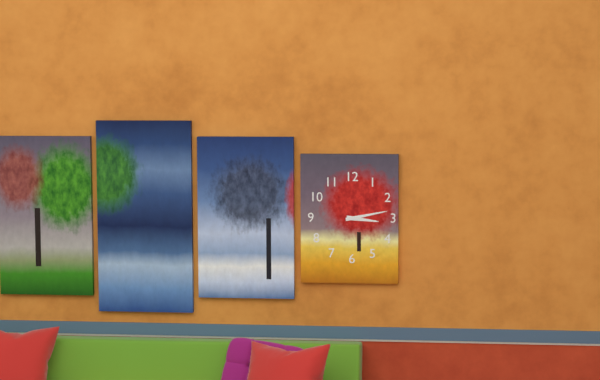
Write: 3 h 13 min
